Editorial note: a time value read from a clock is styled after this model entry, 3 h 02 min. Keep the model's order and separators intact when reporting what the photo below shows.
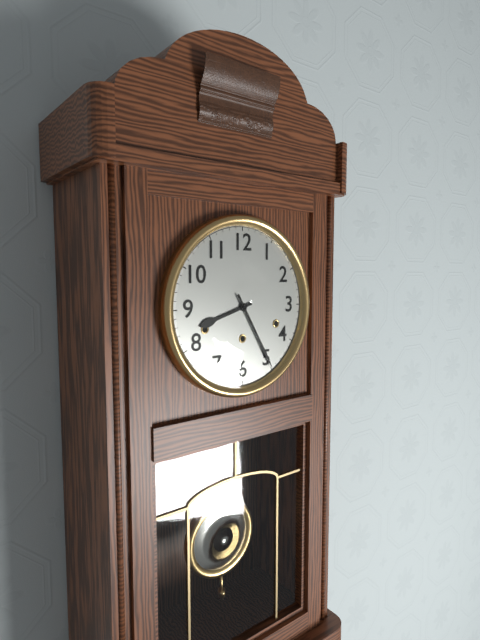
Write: 8 h 25 min
